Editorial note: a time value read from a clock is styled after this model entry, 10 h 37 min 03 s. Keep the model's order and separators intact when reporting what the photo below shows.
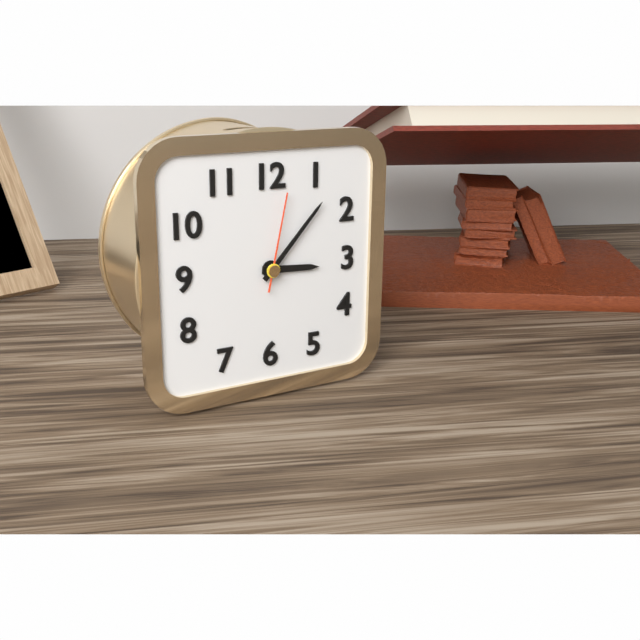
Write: 3 h 07 min 02 s
